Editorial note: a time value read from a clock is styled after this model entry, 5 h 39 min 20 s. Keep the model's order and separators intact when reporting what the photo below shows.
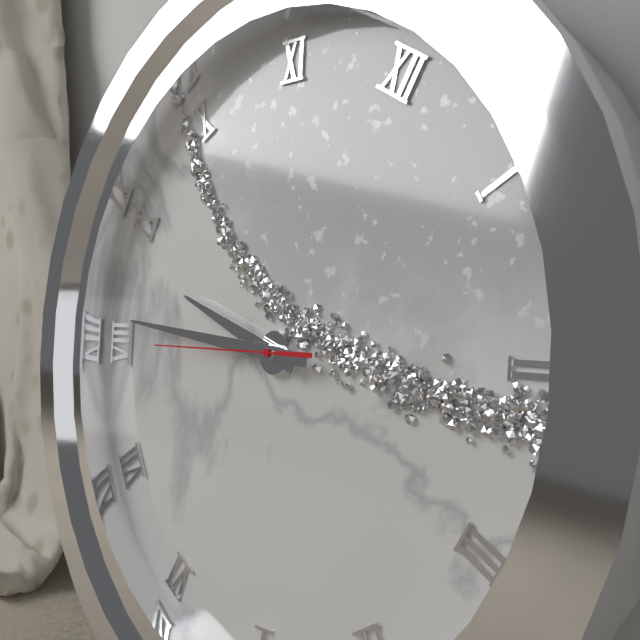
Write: 8 h 41 min 40 s
